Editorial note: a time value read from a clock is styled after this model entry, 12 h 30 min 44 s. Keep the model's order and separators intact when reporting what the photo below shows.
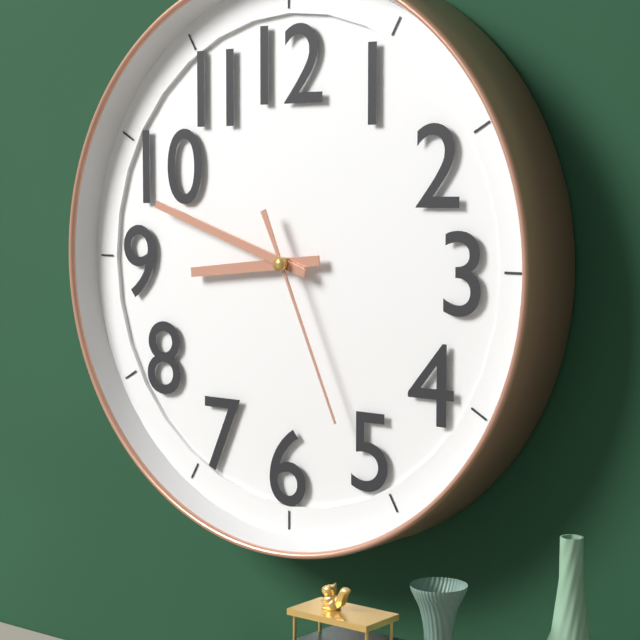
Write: 8 h 48 min 26 s
